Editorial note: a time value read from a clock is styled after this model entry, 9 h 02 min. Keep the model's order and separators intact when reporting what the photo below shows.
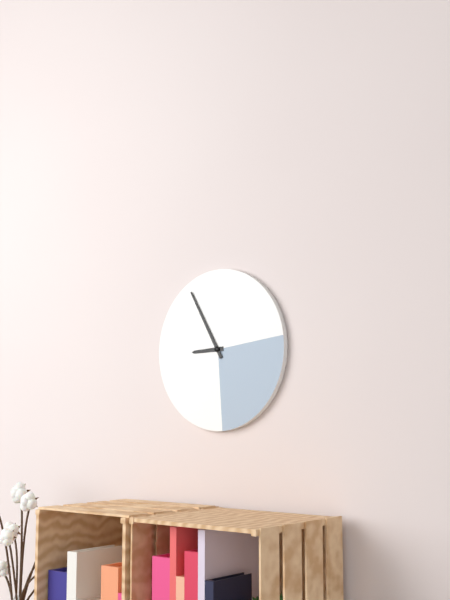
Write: 8 h 55 min
